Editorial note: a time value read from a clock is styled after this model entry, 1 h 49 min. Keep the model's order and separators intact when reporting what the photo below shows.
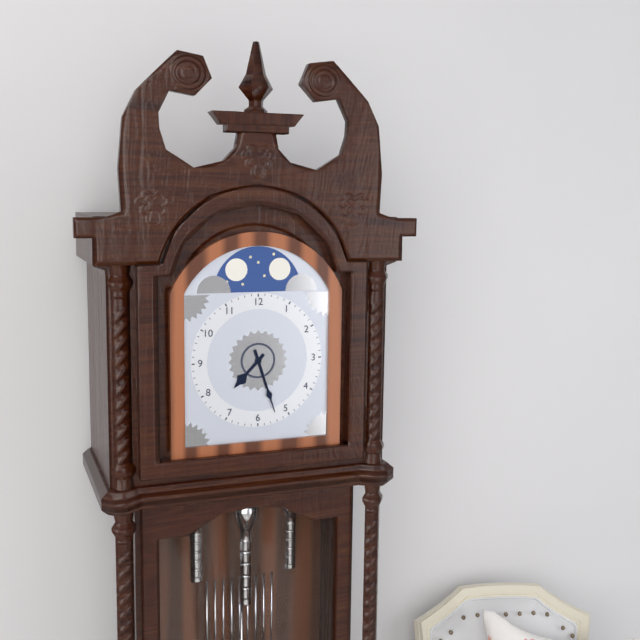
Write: 7 h 27 min
